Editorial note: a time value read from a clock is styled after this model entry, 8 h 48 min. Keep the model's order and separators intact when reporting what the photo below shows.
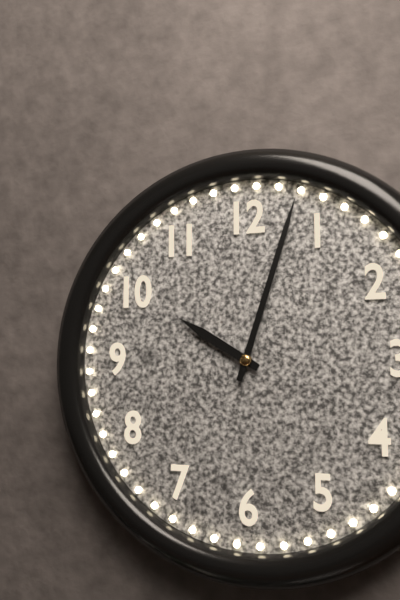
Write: 10 h 03 min
